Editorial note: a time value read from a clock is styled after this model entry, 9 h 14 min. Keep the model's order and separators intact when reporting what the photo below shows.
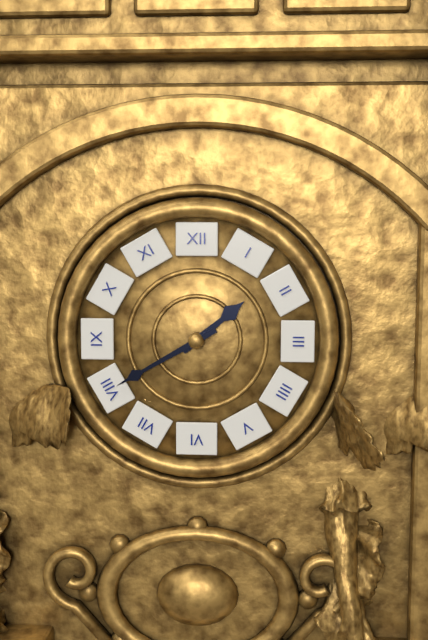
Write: 1 h 40 min
